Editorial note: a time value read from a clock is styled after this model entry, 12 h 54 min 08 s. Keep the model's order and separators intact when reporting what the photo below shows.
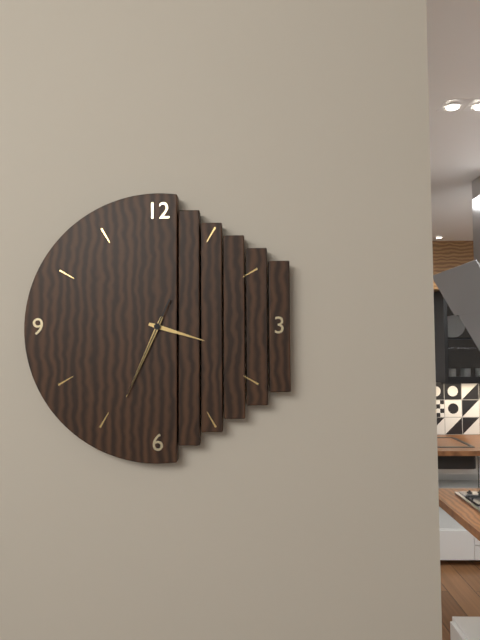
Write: 3 h 34 min 34 s
